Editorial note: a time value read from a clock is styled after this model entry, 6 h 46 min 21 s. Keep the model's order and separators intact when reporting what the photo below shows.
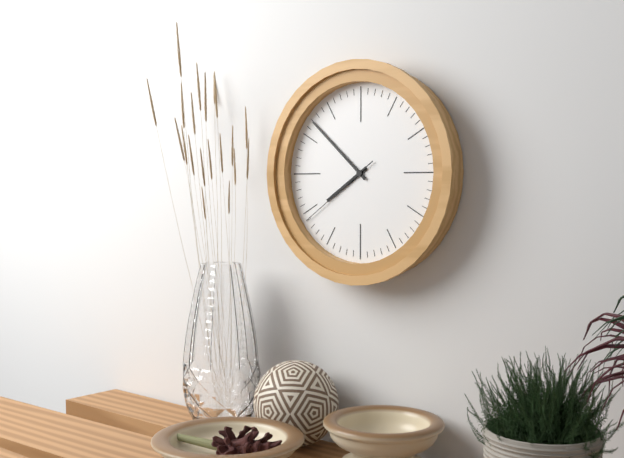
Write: 7 h 52 min 39 s
